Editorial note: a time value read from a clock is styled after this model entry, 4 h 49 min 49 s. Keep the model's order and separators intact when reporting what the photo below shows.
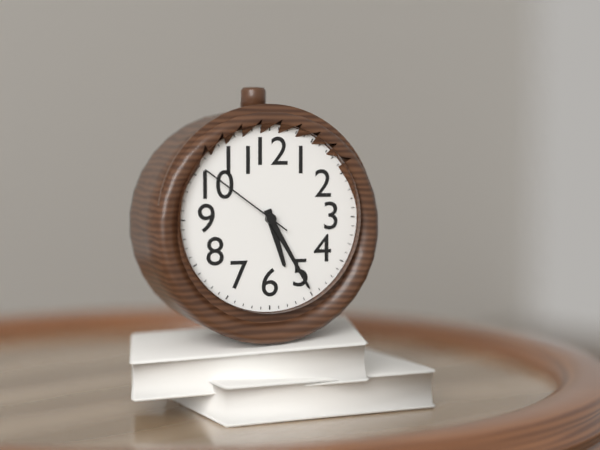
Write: 5 h 25 min 51 s
